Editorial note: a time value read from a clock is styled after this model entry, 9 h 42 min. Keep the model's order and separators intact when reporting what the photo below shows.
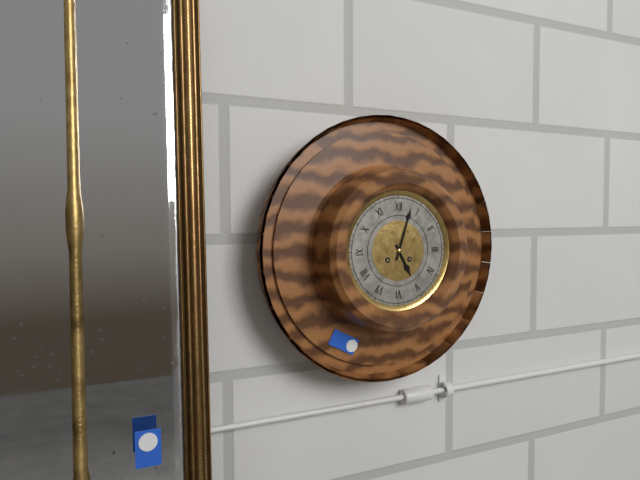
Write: 5 h 03 min
